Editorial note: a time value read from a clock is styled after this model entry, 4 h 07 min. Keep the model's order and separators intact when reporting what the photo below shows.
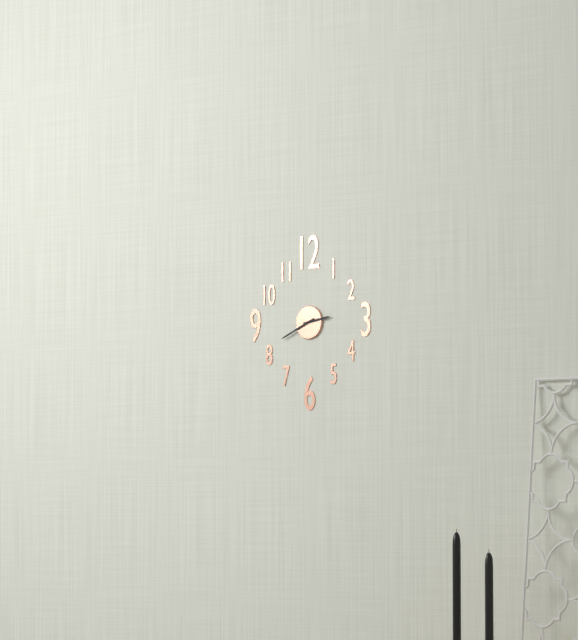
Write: 2 h 41 min
